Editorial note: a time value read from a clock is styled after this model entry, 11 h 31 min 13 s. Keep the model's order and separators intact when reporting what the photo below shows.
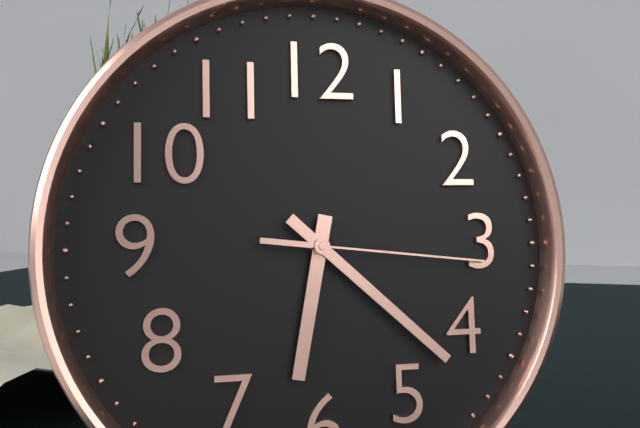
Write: 6 h 22 min 16 s
